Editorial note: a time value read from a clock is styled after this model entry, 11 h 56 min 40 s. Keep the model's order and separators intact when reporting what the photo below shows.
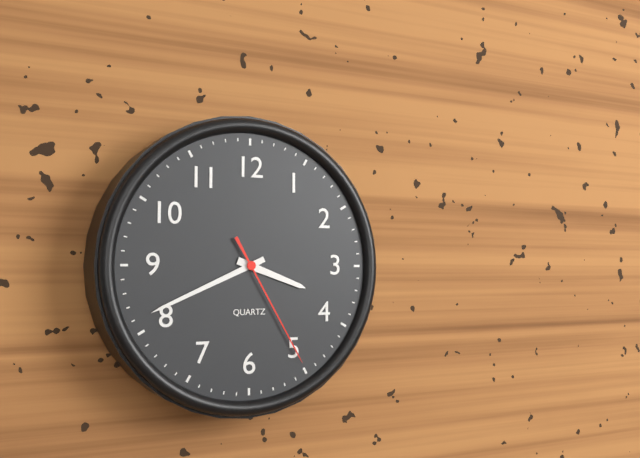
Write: 3 h 41 min 25 s
